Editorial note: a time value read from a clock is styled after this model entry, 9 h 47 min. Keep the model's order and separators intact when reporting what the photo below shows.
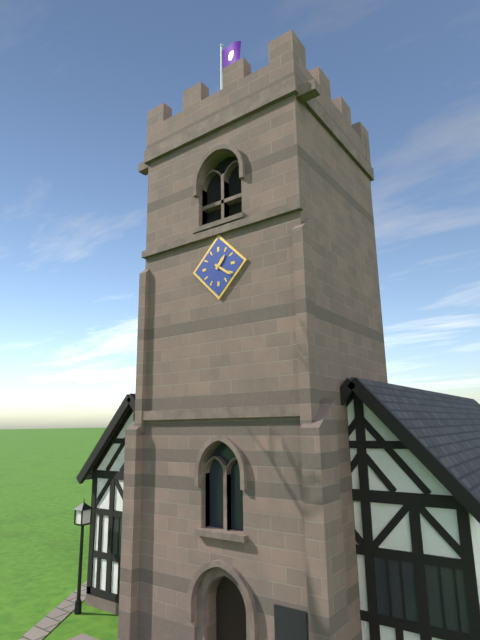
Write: 1 h 21 min
